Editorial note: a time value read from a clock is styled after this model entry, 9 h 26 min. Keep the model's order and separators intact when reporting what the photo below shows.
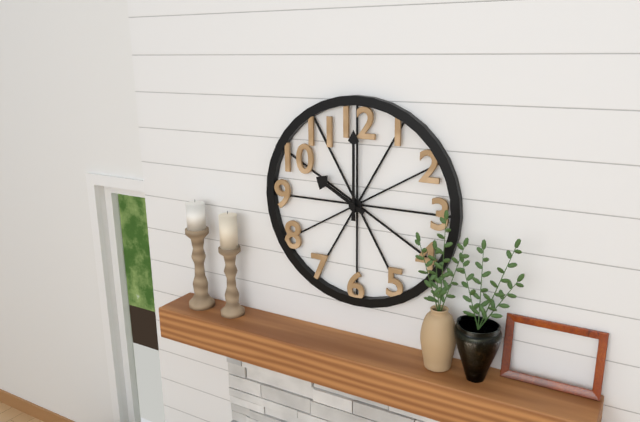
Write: 10 h 00 min
